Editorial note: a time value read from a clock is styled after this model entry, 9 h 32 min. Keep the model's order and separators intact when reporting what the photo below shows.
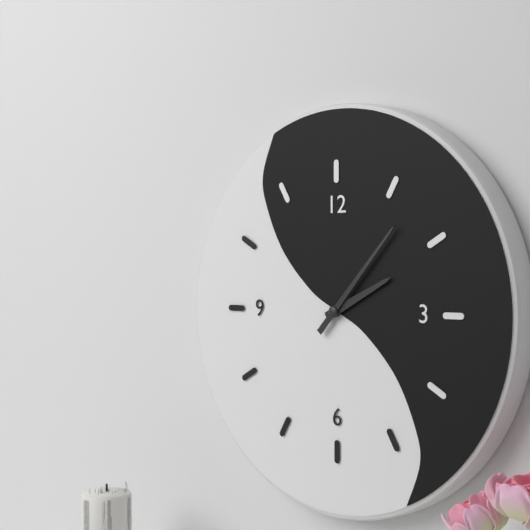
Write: 2 h 07 min
